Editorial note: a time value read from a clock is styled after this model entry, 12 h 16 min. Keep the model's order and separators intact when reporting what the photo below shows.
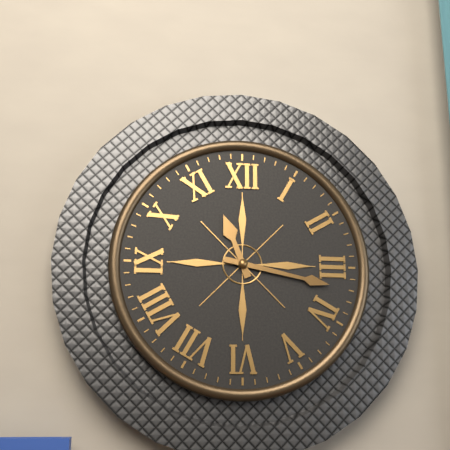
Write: 11 h 17 min
